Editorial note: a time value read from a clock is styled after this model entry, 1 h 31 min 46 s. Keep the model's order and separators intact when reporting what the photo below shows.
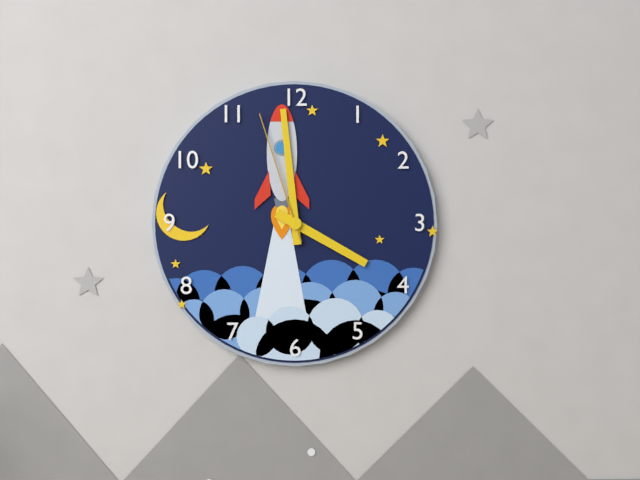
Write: 3 h 59 min 57 s
